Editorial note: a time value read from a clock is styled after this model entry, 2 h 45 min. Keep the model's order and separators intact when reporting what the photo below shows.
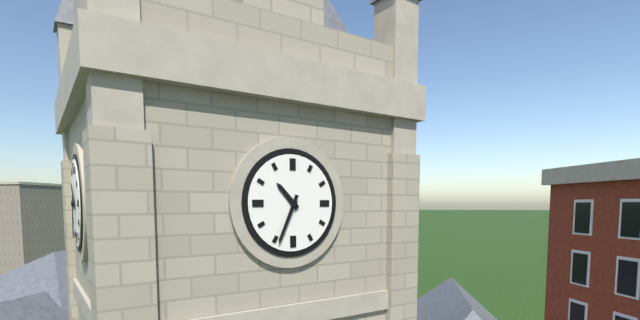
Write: 10 h 34 min
